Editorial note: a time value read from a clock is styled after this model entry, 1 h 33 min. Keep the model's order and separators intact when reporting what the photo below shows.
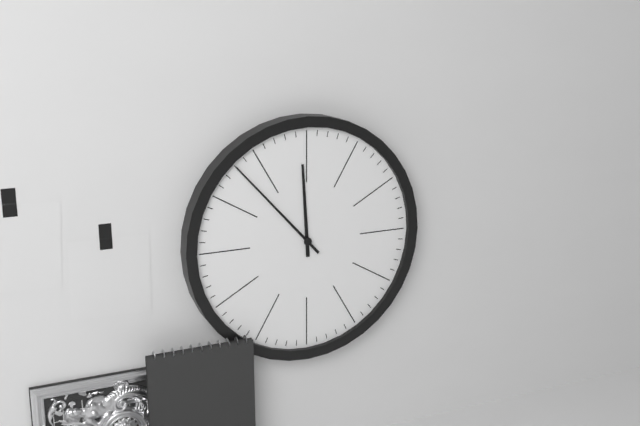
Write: 11 h 53 min
